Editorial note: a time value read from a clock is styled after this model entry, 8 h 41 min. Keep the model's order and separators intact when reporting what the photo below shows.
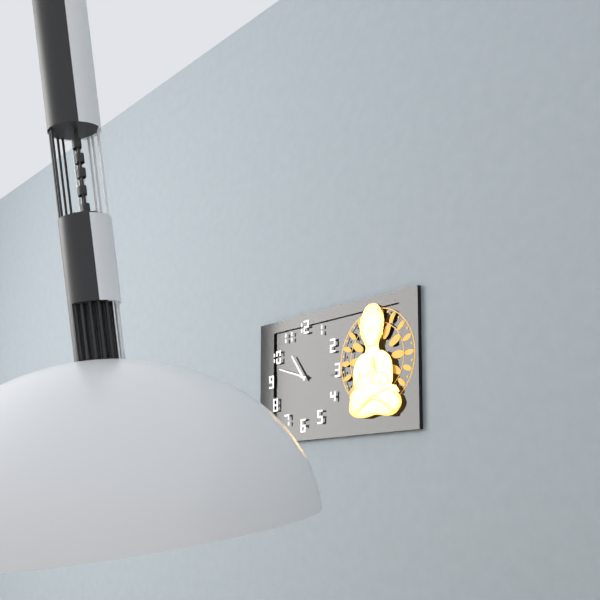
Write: 10 h 48 min
